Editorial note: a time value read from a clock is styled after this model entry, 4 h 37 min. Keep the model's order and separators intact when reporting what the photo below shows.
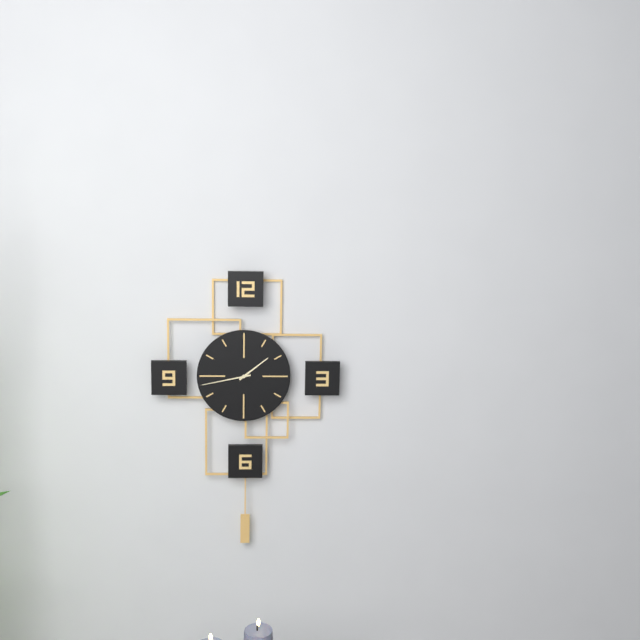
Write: 1 h 43 min
